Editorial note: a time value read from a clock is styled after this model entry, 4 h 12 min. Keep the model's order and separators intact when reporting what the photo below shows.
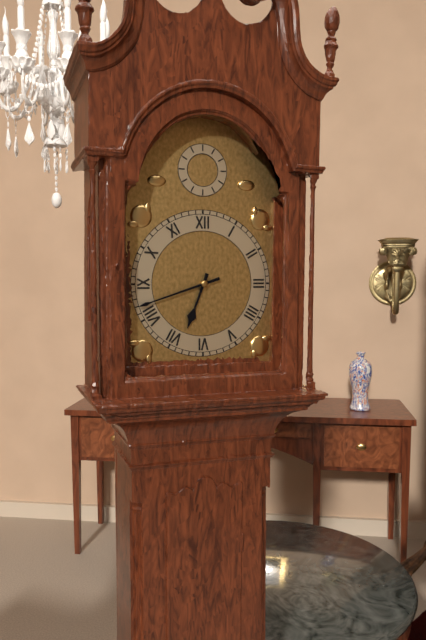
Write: 6 h 42 min
